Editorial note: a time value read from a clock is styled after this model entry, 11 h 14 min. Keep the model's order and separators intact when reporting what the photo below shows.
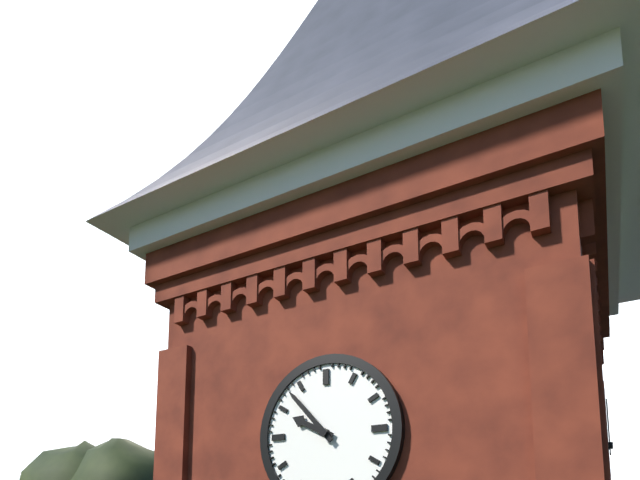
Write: 9 h 53 min
